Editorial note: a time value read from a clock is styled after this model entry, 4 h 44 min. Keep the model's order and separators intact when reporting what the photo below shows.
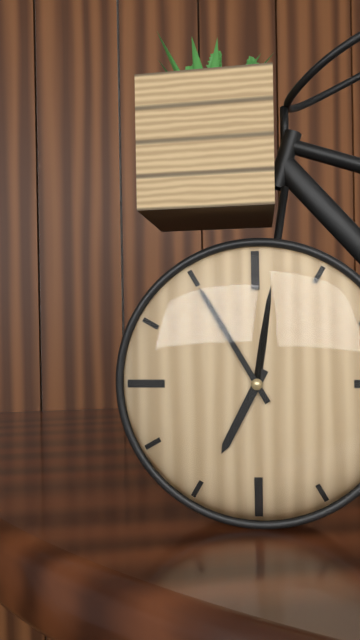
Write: 6 h 55 min
